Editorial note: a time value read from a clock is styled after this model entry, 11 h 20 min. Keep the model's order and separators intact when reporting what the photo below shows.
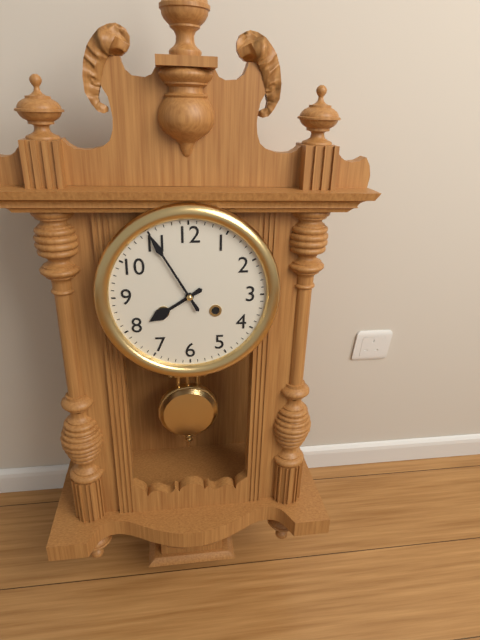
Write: 7 h 55 min
